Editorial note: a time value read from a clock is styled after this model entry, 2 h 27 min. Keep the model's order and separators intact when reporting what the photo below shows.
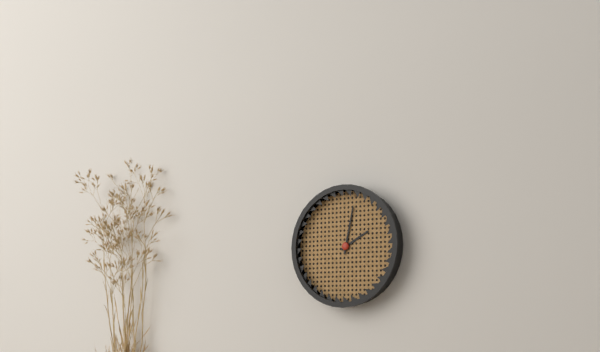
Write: 2 h 02 min
